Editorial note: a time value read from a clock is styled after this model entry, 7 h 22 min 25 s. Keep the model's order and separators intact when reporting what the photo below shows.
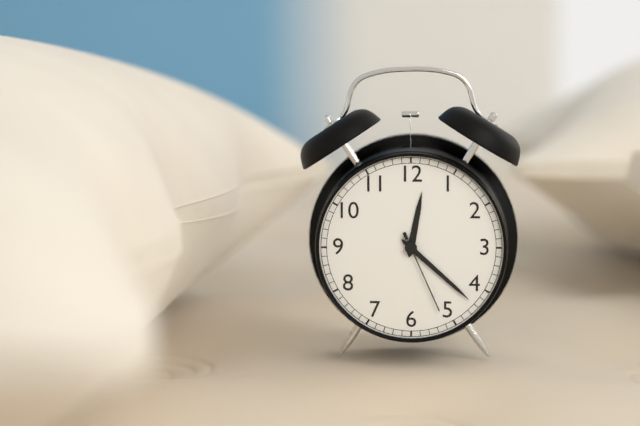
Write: 12 h 22 min 26 s
